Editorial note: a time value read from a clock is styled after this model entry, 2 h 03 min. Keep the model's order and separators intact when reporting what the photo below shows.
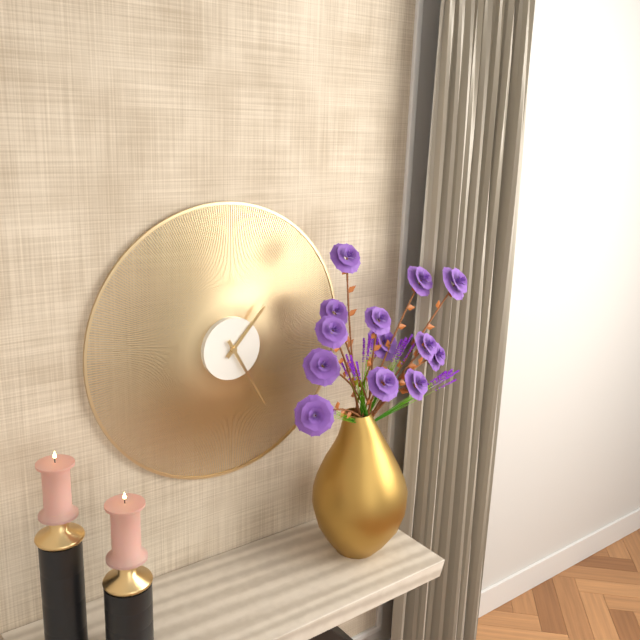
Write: 1 h 25 min
